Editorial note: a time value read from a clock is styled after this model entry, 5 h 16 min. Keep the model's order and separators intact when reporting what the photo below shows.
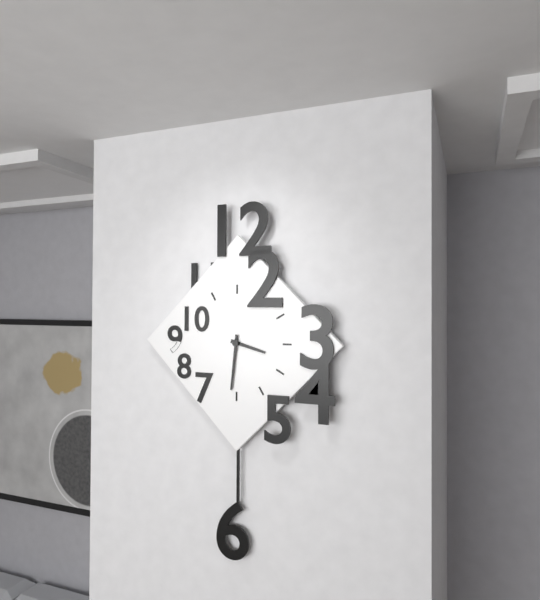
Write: 3 h 31 min
